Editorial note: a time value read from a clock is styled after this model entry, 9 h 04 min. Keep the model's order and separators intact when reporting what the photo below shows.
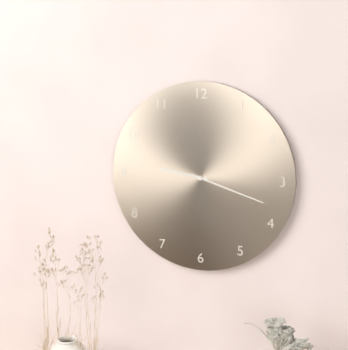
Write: 9 h 18 min
